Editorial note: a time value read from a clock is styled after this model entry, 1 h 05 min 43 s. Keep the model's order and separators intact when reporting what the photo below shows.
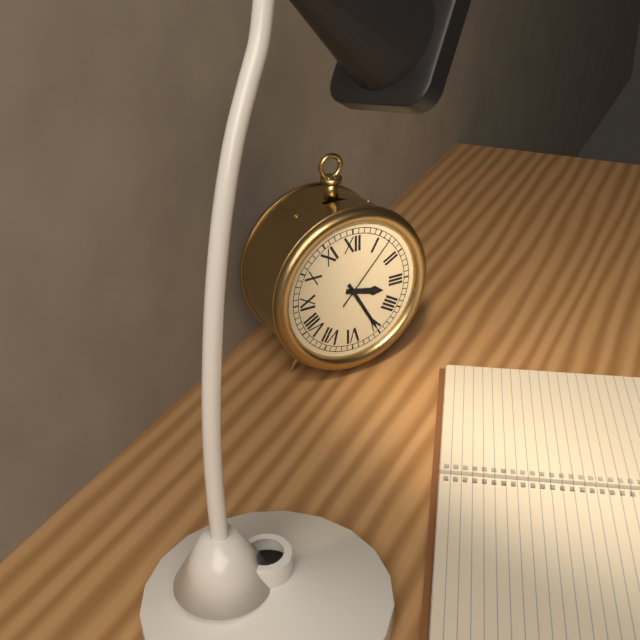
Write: 3 h 25 min 07 s
